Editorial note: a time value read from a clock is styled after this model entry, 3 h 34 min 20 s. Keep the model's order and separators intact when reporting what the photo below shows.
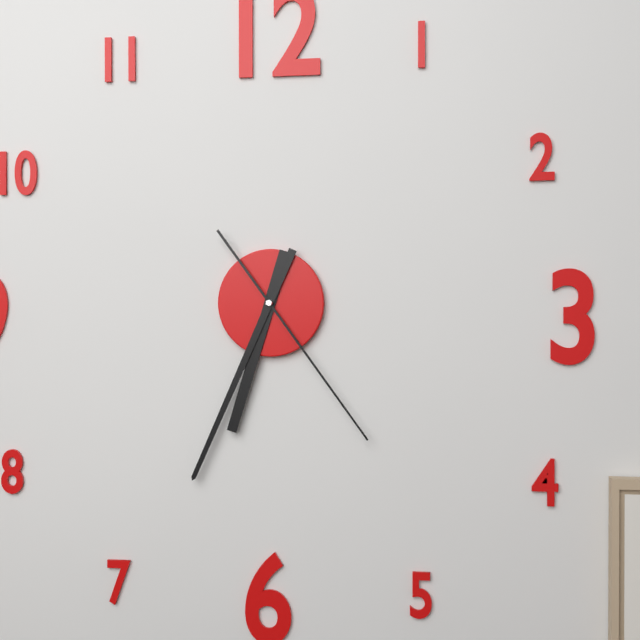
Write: 6 h 34 min 24 s
